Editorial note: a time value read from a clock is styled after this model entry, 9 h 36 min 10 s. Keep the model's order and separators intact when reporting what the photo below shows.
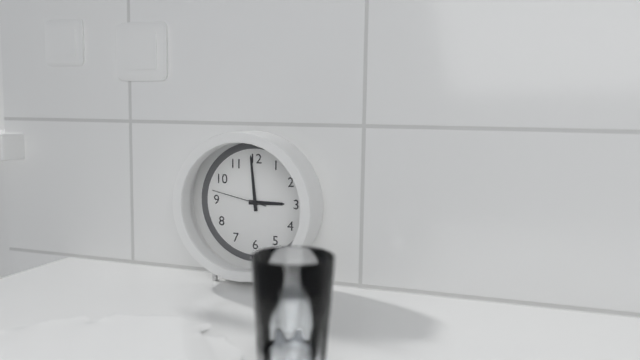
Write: 2 h 59 min 47 s
